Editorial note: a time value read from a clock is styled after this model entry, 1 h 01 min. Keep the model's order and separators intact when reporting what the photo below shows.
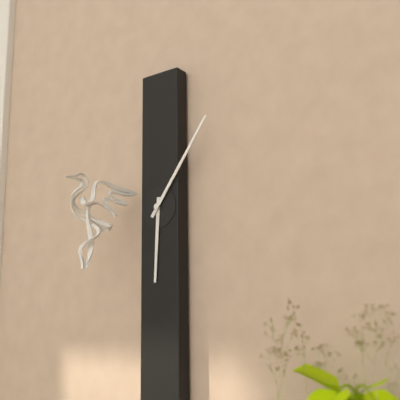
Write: 6 h 06 min
